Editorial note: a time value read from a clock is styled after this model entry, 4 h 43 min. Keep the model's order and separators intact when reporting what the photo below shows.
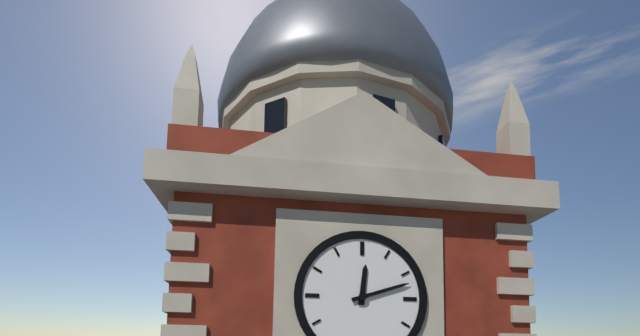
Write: 12 h 12 min
